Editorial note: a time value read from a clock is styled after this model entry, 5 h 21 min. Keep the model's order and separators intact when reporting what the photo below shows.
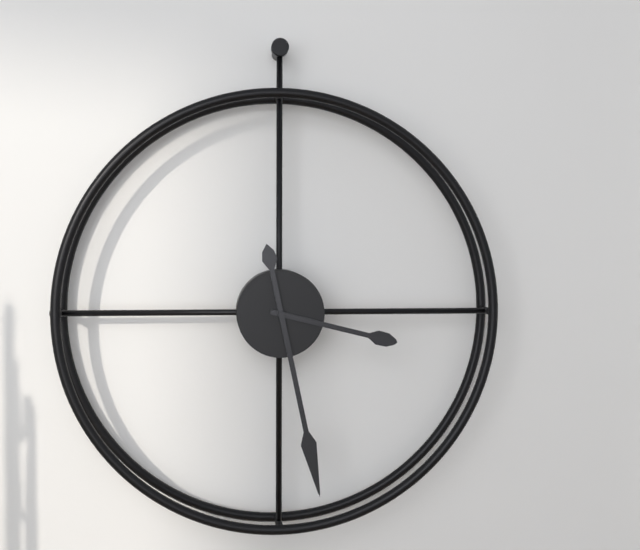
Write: 3 h 28 min
